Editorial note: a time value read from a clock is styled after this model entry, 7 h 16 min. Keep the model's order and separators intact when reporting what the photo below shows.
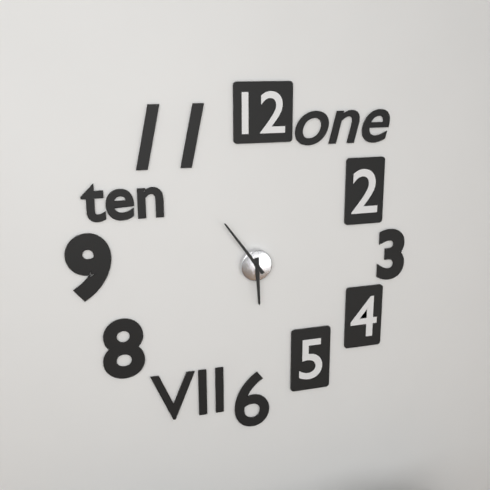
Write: 5 h 54 min
